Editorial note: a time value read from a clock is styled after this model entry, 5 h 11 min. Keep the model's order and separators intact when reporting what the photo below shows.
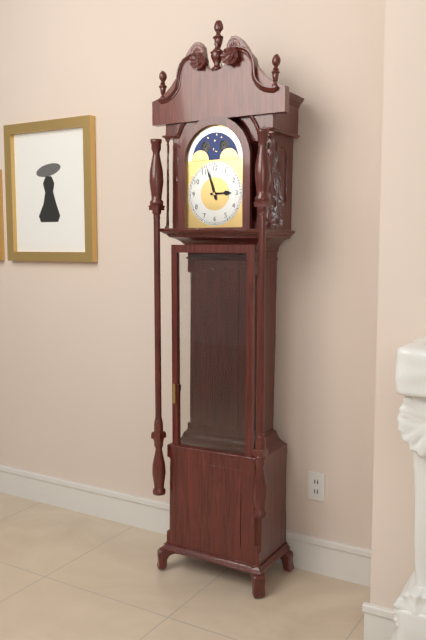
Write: 2 h 57 min
